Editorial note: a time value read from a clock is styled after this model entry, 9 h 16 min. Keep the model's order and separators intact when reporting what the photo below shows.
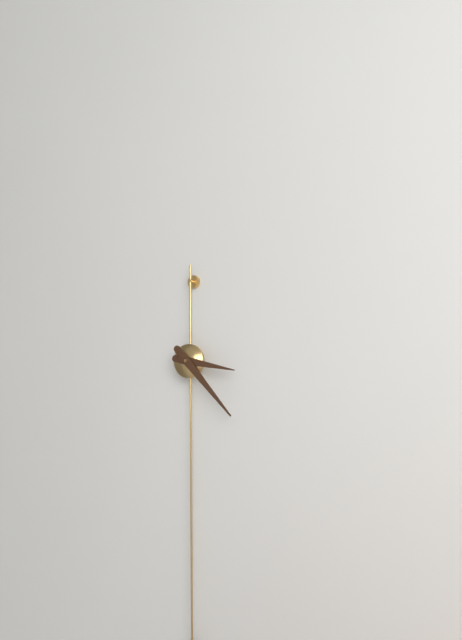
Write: 3 h 23 min
